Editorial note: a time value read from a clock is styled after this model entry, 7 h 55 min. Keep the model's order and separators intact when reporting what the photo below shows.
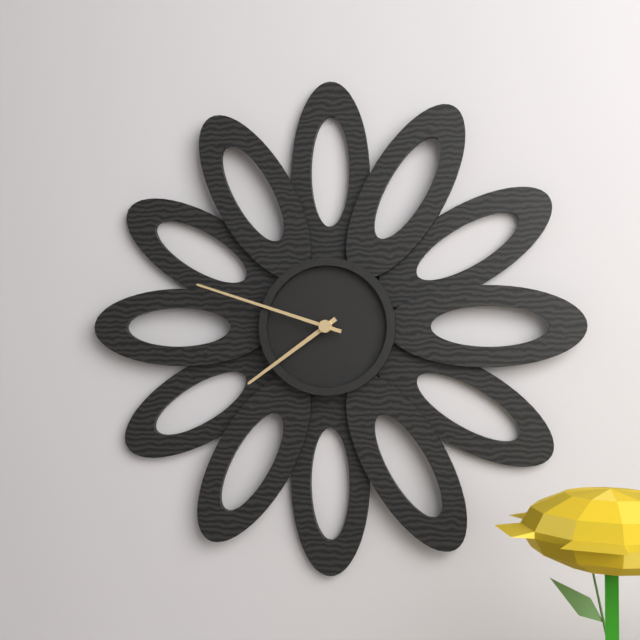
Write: 7 h 48 min
